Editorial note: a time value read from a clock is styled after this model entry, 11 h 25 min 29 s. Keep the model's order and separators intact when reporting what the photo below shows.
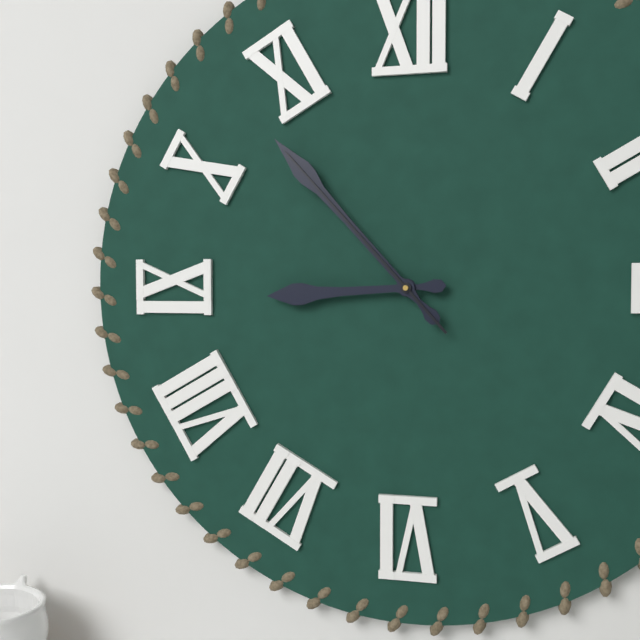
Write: 8 h 53 min 53 s
